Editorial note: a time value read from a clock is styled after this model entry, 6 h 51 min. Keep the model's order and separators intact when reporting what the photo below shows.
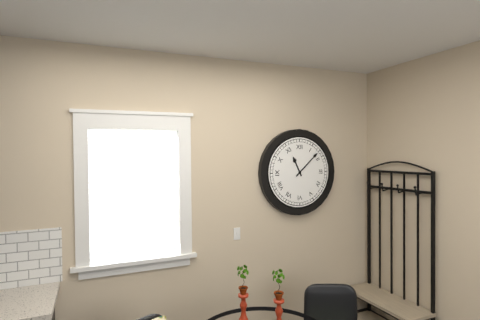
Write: 11 h 08 min
